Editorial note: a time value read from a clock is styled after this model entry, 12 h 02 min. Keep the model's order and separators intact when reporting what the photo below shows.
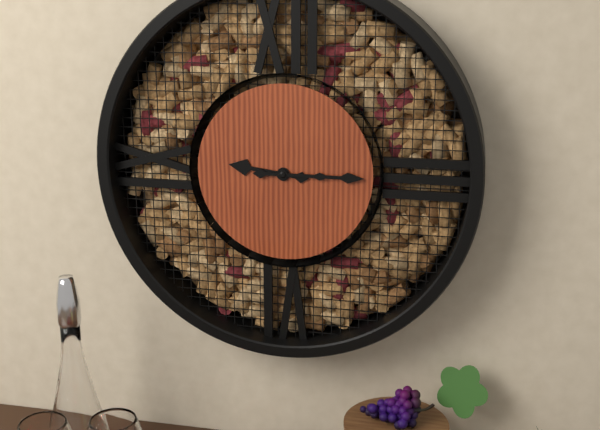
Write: 9 h 15 min
